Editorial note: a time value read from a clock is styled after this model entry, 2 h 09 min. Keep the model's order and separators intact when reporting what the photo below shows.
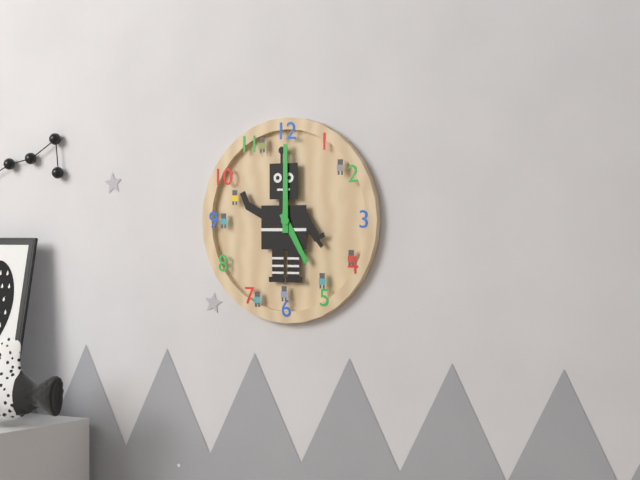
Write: 5 h 00 min
